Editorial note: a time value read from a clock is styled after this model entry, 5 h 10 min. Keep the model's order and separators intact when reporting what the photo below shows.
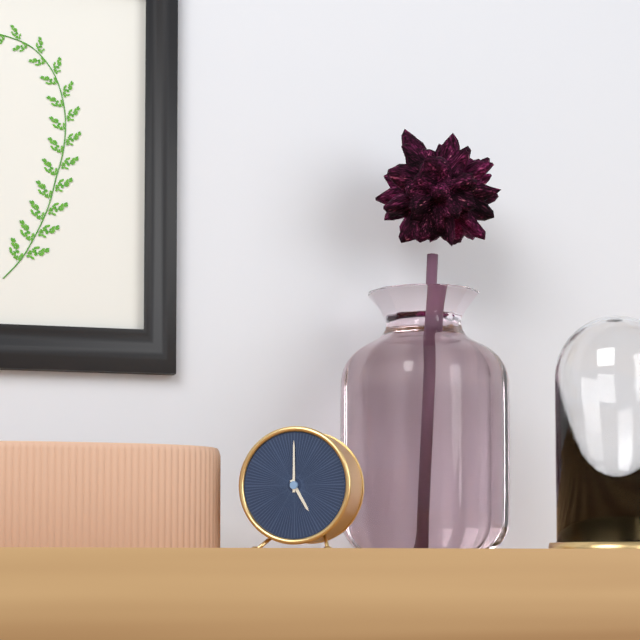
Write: 5 h 00 min
